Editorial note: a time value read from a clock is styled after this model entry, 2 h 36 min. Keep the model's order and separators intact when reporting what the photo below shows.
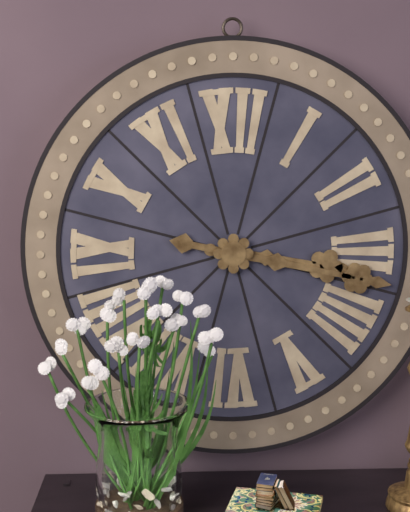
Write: 3 h 17 min
